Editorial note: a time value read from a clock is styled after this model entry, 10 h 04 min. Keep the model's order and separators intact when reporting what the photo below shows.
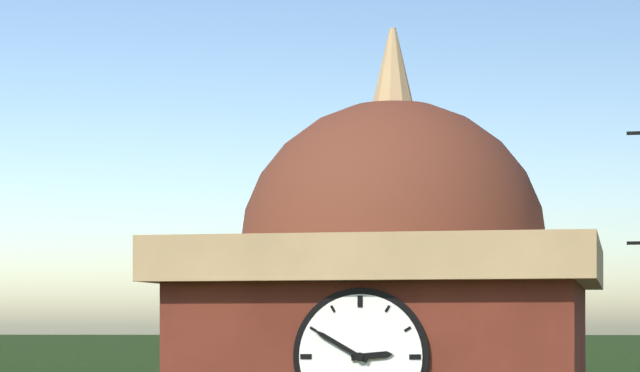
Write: 2 h 50 min
